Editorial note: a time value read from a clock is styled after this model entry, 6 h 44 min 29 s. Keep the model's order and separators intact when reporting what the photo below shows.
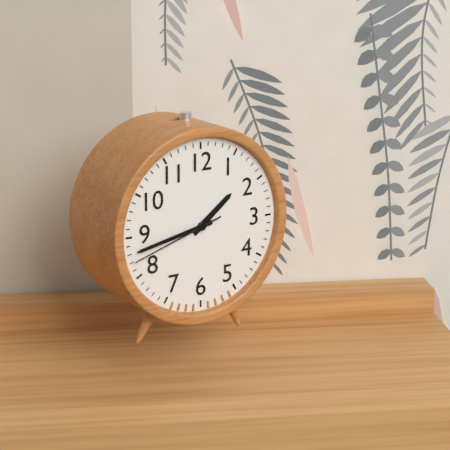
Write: 1 h 43 min 42 s
